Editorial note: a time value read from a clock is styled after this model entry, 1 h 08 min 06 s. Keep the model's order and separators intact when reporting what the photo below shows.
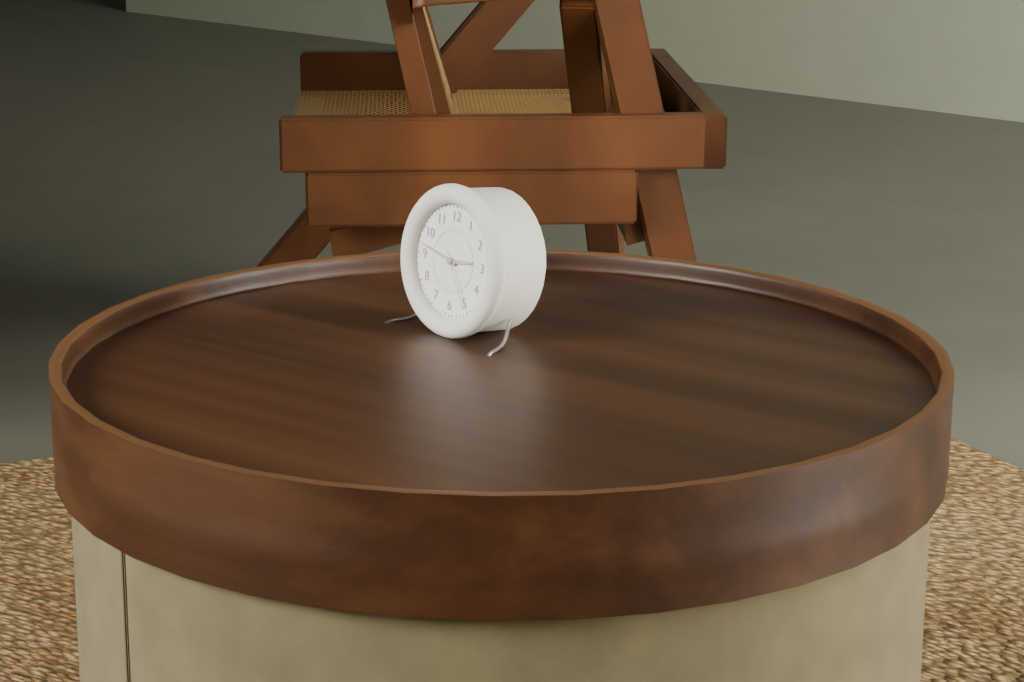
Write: 2 h 47 min 25 s
